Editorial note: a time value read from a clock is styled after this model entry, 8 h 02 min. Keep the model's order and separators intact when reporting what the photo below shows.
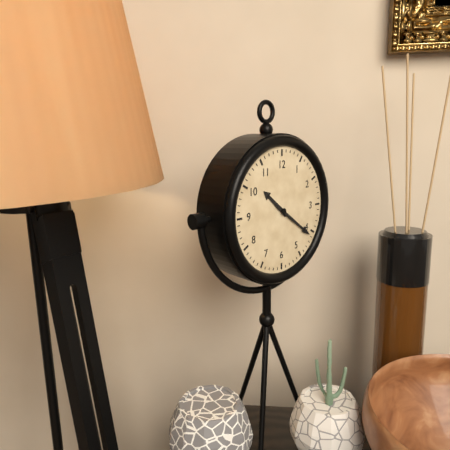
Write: 10 h 21 min
